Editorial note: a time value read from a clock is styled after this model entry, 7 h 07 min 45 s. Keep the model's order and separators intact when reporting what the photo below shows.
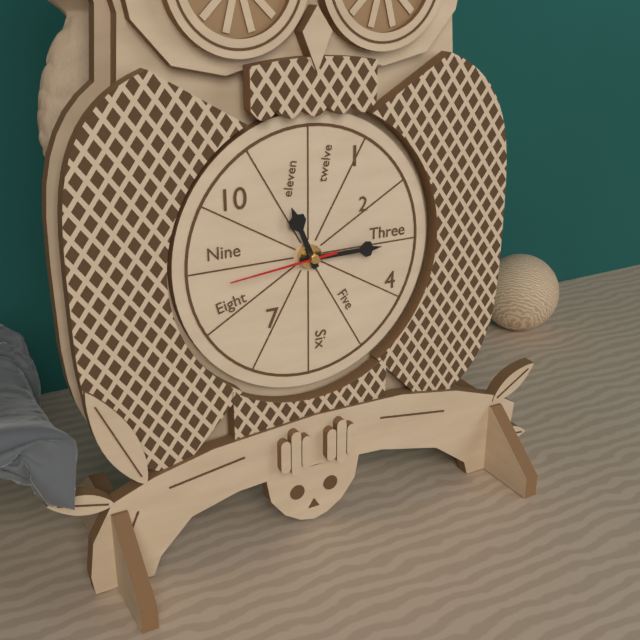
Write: 11 h 15 min 44 s
